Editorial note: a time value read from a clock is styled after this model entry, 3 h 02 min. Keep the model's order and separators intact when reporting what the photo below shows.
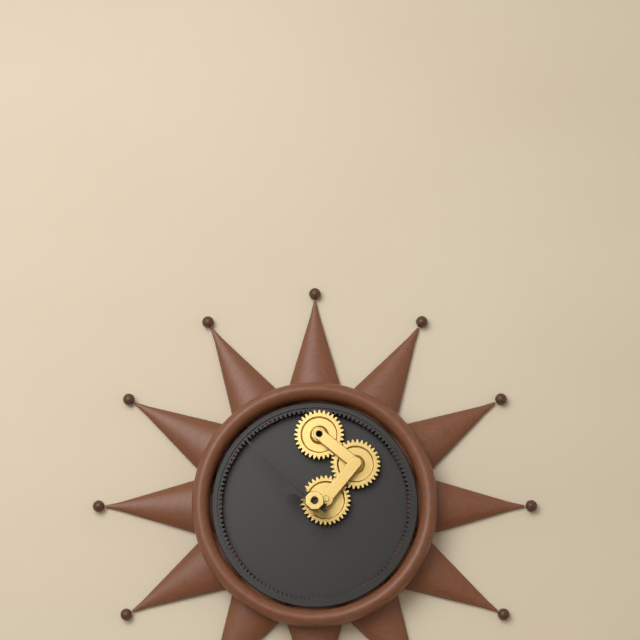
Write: 9 h 52 min
